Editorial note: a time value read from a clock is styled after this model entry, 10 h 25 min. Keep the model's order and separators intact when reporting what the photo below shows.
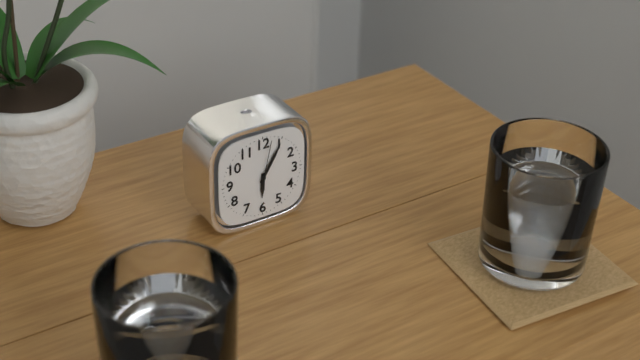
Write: 6 h 05 min
